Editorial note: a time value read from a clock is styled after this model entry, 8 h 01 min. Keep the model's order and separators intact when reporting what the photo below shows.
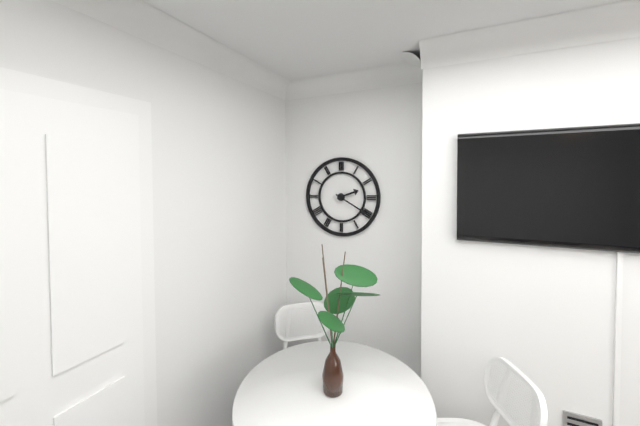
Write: 2 h 20 min
